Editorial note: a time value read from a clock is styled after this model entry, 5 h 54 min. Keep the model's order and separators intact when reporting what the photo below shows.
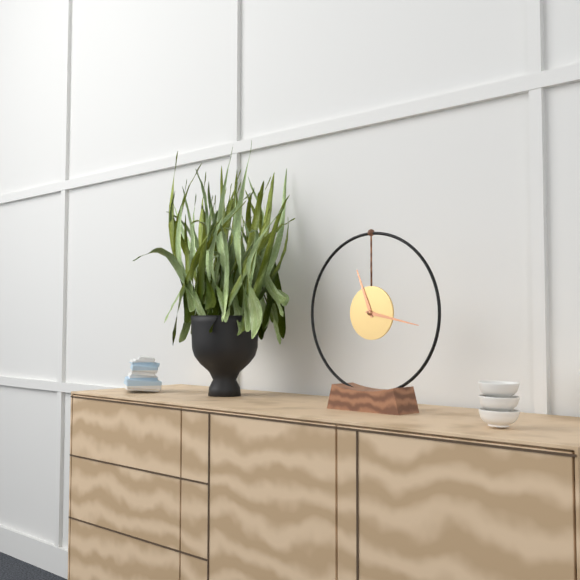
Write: 11 h 17 min
